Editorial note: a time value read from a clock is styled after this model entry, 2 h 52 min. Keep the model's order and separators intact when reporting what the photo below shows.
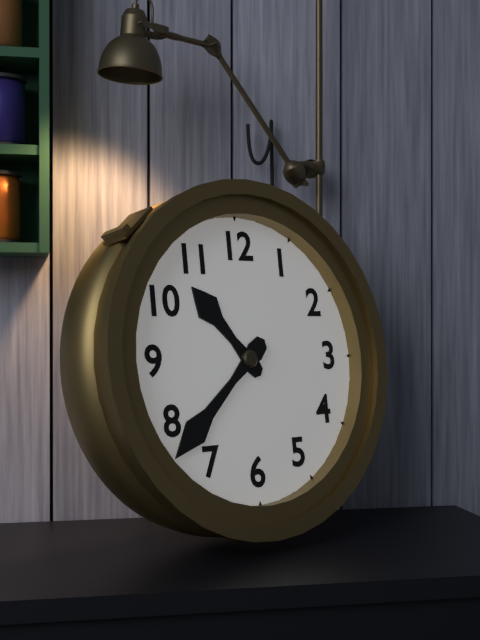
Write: 10 h 38 min
